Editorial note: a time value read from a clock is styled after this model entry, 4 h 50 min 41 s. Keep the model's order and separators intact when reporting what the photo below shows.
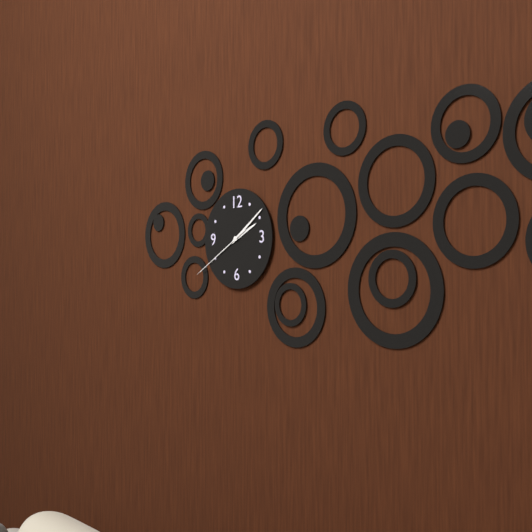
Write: 2 h 09 min 40 s
